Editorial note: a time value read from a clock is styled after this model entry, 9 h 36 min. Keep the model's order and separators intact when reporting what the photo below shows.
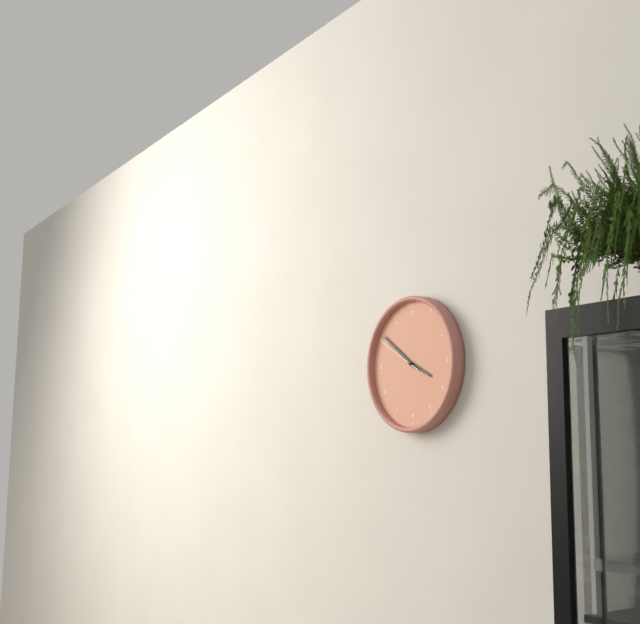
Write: 3 h 51 min
